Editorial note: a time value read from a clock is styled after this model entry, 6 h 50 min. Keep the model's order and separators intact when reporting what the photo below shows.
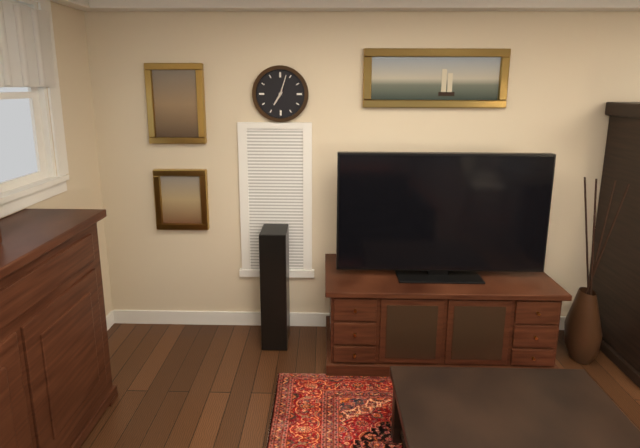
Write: 7 h 03 min
